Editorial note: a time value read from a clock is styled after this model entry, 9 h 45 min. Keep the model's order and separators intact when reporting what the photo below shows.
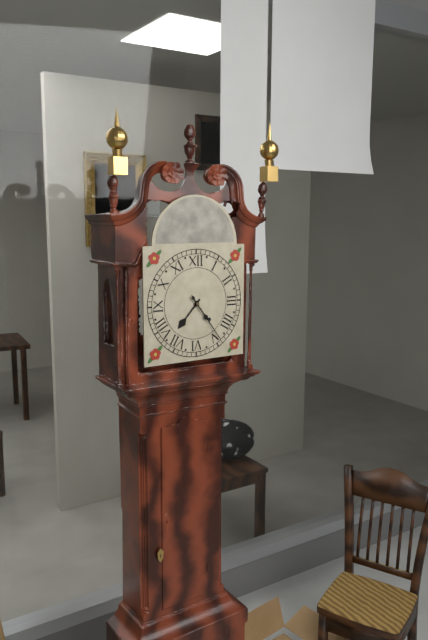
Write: 7 h 24 min
